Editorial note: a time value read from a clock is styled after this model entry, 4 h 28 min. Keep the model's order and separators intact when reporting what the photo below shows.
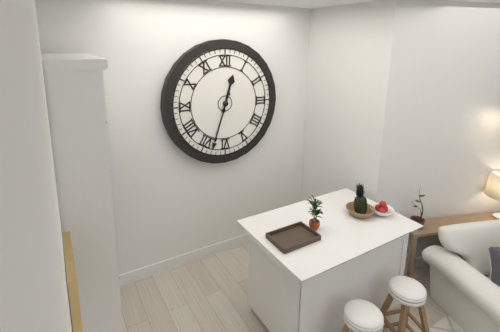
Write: 12 h 33 min
